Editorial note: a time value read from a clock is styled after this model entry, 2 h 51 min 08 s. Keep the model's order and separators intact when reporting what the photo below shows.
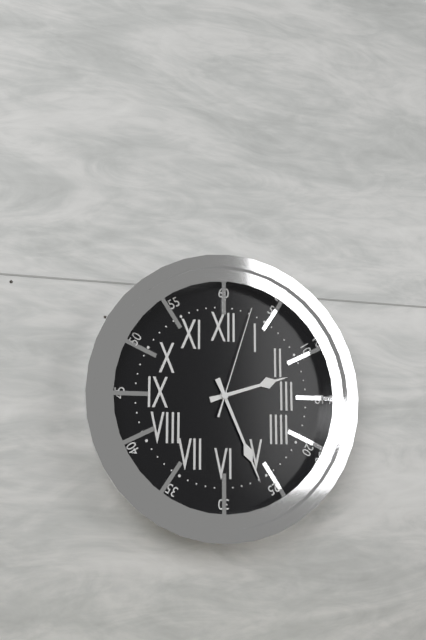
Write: 2 h 26 min 03 s
